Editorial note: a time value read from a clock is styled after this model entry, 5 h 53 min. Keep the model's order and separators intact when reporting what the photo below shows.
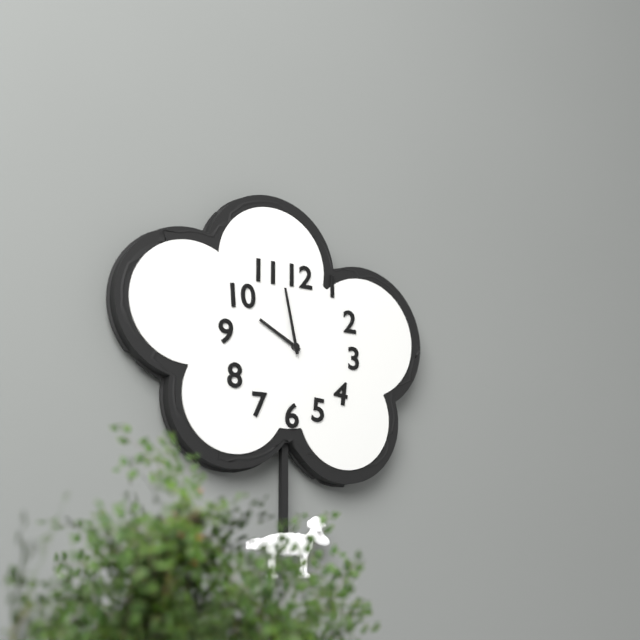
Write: 9 h 58 min
